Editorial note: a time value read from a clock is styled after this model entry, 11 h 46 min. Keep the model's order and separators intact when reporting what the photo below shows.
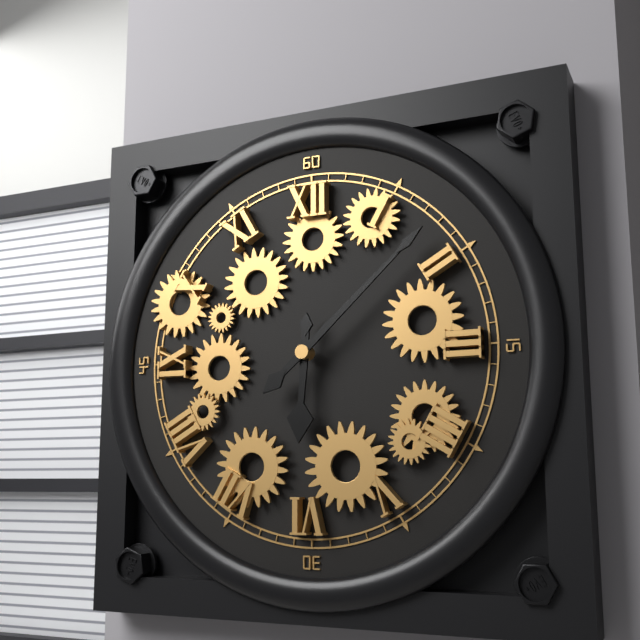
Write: 6 h 08 min
